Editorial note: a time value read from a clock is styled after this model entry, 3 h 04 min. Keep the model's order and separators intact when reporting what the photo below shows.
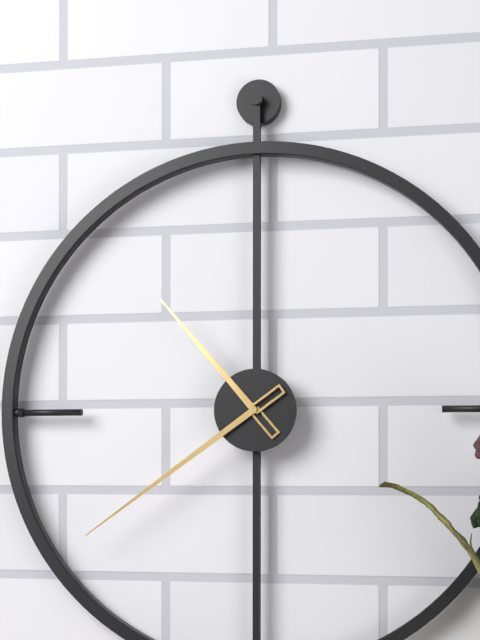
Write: 10 h 39 min
